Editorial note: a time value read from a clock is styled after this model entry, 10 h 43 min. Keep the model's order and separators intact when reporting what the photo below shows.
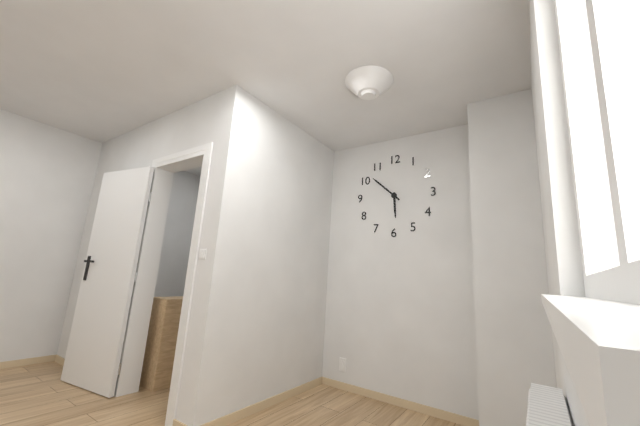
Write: 5 h 52 min
